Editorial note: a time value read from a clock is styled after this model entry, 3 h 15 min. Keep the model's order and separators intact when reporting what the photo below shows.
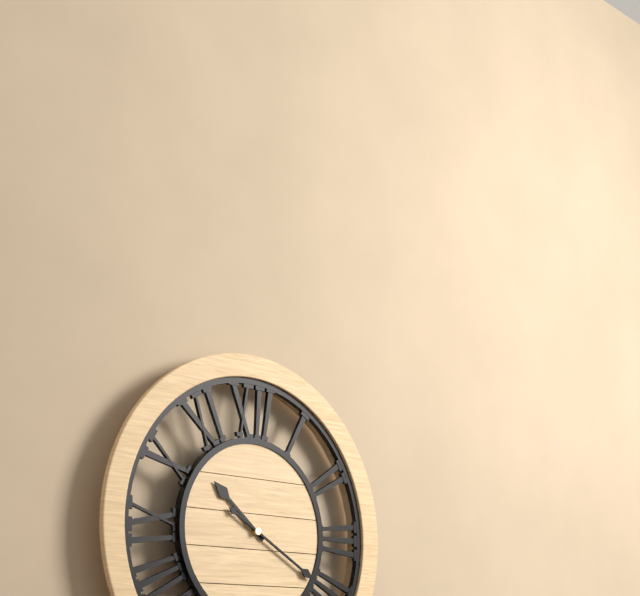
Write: 10 h 20 min
